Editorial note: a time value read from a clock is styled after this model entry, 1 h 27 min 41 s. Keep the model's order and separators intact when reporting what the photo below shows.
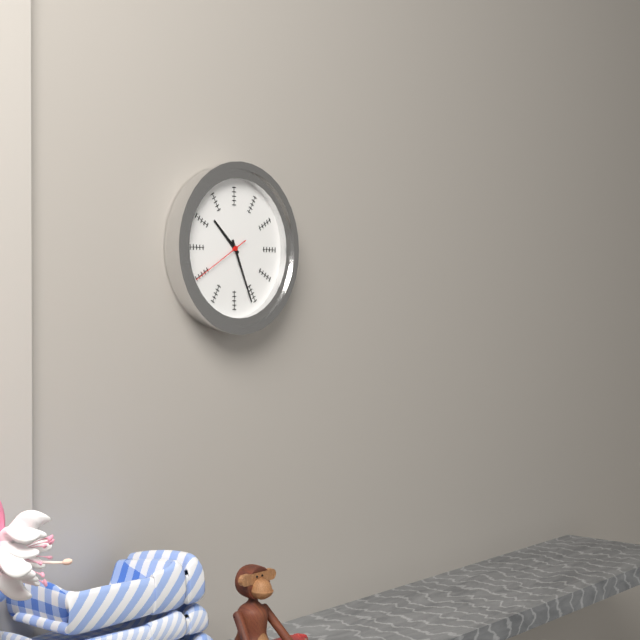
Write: 10 h 26 min 40 s
